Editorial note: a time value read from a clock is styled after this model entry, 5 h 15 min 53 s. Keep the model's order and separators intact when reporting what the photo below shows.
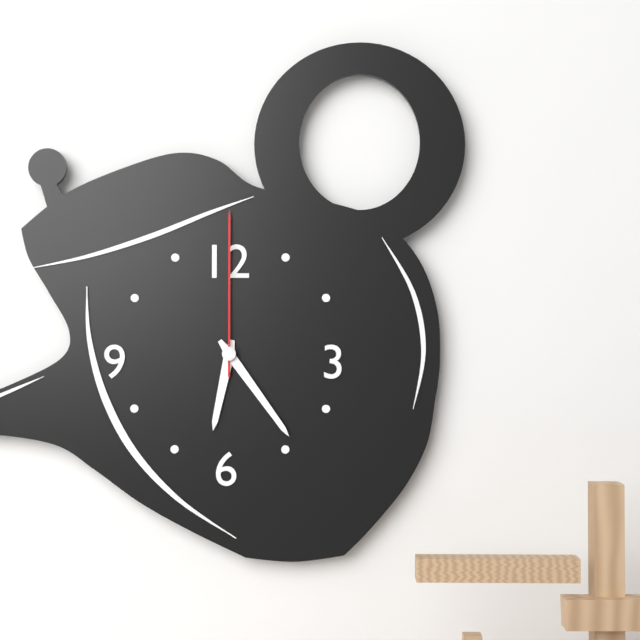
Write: 6 h 24 min 00 s
